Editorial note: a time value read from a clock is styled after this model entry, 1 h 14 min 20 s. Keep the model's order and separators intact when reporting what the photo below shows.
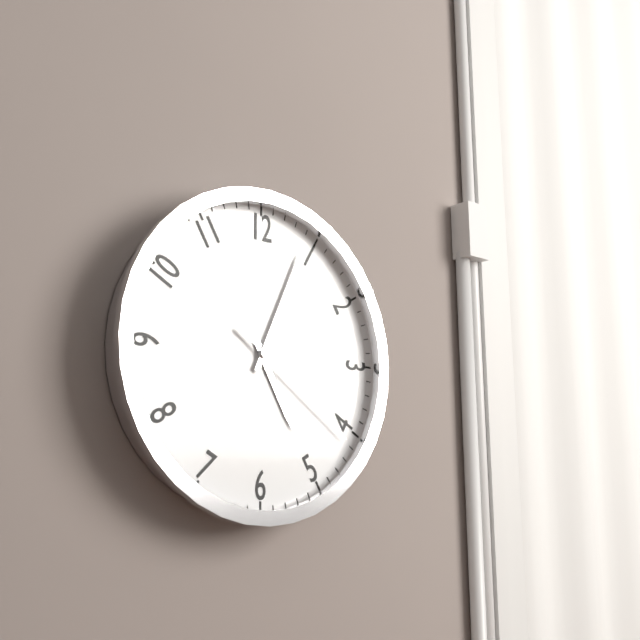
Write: 5 h 04 min 21 s
